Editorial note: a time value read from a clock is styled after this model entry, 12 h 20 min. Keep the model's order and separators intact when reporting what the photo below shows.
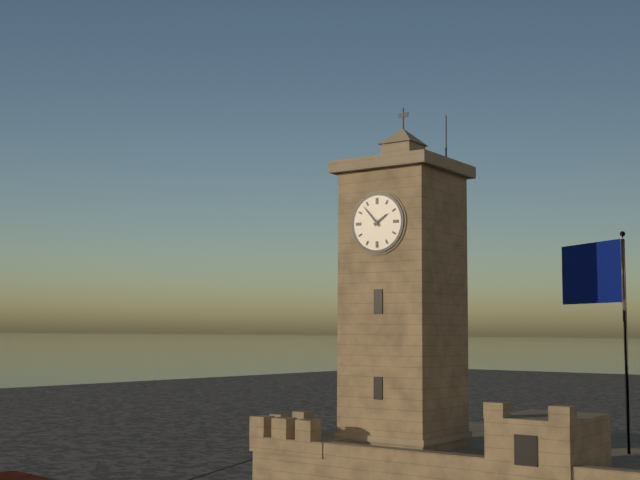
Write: 1 h 53 min
